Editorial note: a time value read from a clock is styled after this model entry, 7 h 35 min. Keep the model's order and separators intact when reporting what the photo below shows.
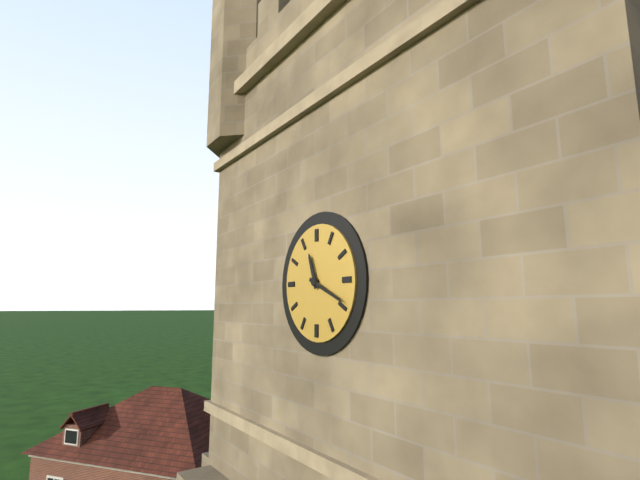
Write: 11 h 19 min
